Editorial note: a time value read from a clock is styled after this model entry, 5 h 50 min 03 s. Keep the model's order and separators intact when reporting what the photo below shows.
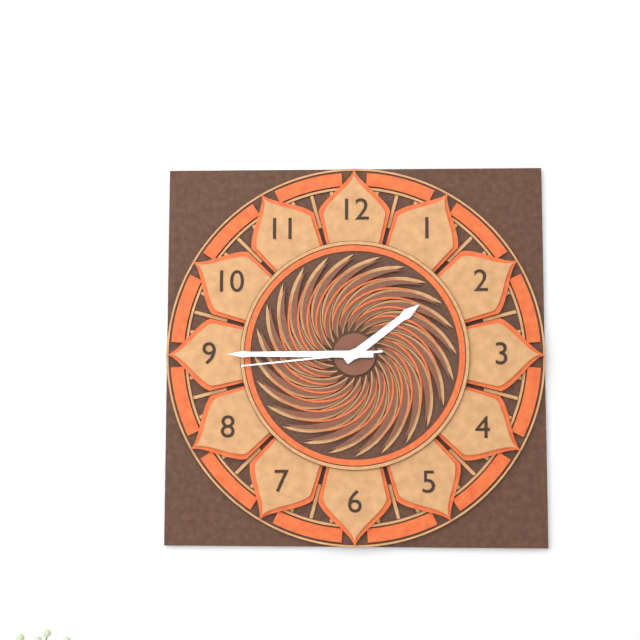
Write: 1 h 45 min 44 s
